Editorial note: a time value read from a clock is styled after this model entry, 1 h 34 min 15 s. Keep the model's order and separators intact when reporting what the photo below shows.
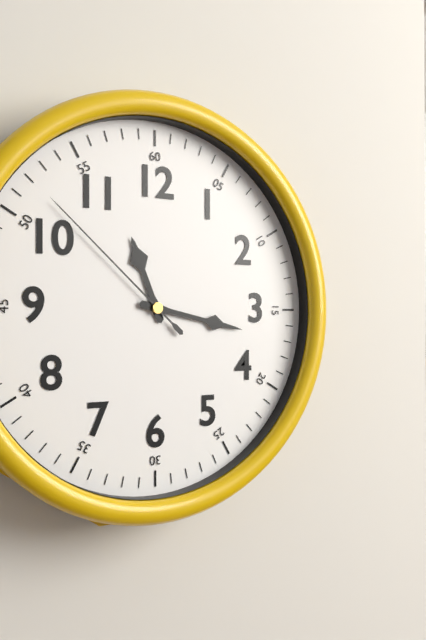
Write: 11 h 17 min 52 s
